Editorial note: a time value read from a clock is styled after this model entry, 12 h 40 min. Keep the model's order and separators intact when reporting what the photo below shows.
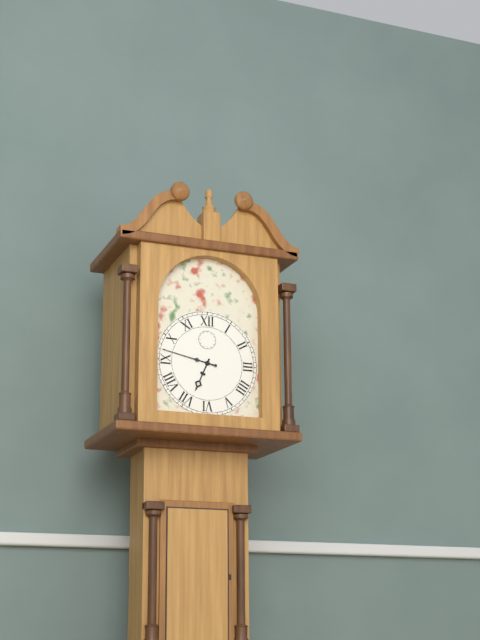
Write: 6 h 47 min
